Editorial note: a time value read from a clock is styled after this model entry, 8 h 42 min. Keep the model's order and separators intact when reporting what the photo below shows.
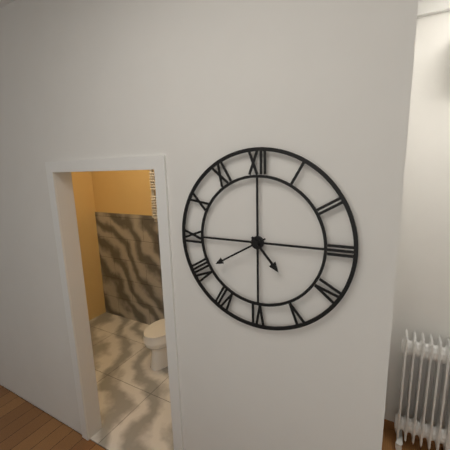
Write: 4 h 40 min
